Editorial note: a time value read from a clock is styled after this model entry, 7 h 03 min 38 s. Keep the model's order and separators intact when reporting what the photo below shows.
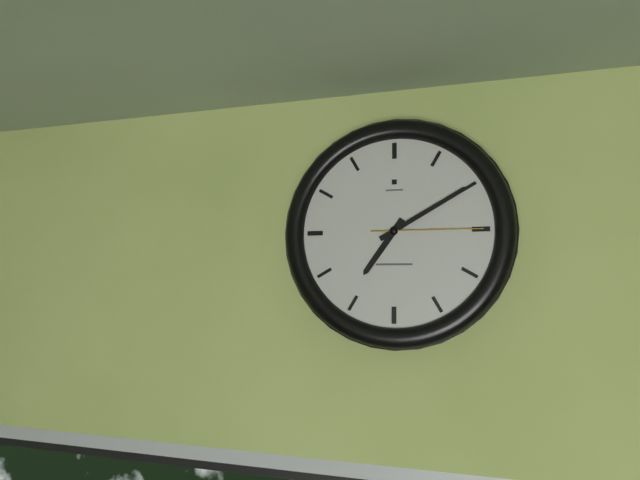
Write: 7 h 10 min 15 s
